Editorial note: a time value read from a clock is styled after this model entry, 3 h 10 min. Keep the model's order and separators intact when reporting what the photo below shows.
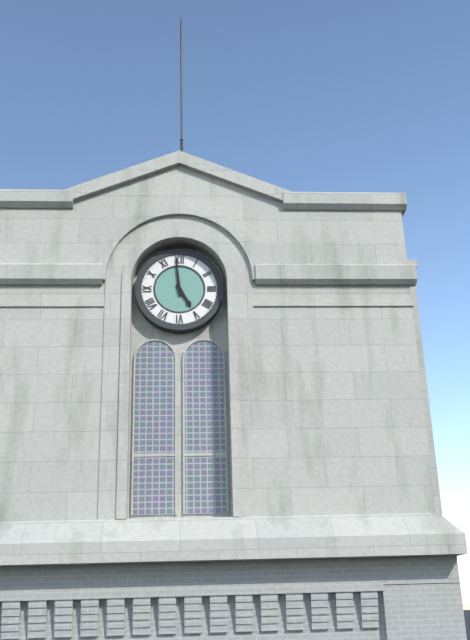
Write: 4 h 59 min
